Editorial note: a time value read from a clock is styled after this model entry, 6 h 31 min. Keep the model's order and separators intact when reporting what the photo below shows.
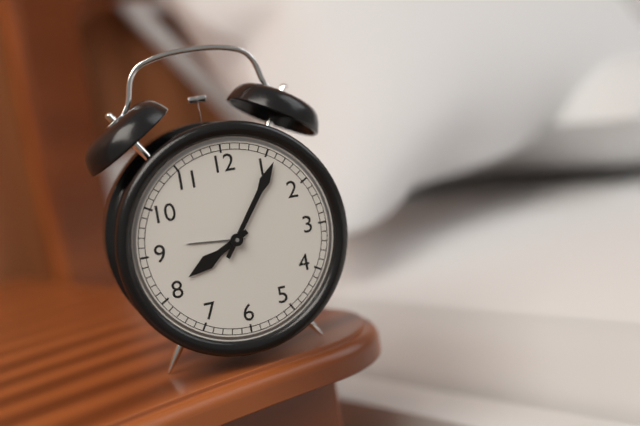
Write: 8 h 06 min
